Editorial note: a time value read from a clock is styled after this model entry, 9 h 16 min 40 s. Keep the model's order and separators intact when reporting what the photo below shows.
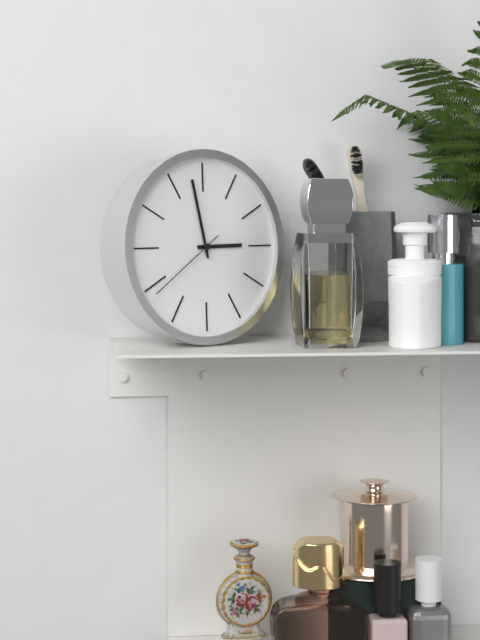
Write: 2 h 58 min 39 s
